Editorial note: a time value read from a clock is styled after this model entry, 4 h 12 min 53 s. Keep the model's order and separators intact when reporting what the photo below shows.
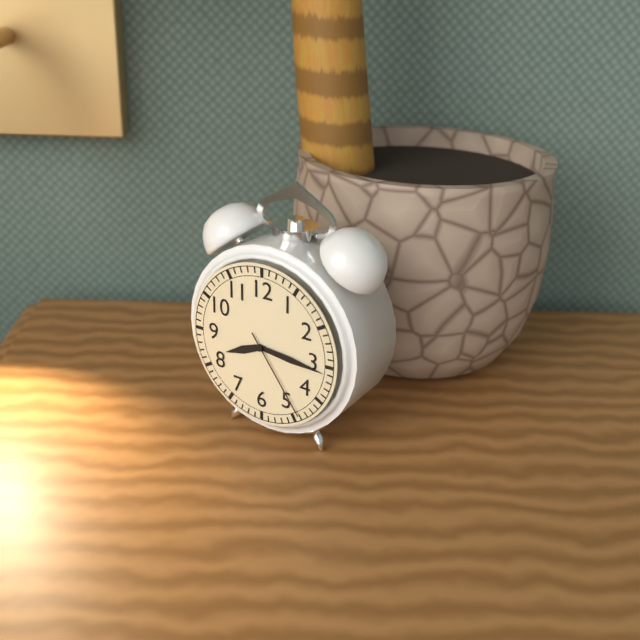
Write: 8 h 16 min 24 s
